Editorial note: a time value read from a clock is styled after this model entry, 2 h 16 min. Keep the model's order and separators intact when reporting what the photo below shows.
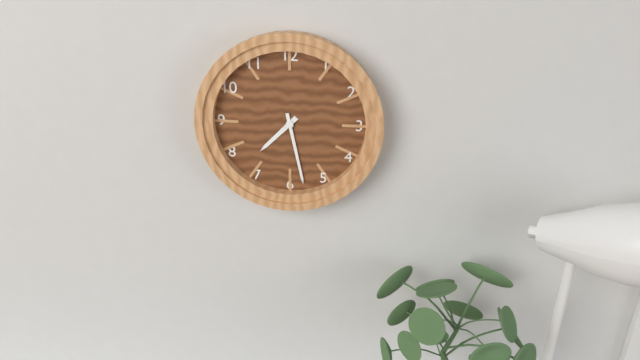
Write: 7 h 28 min
